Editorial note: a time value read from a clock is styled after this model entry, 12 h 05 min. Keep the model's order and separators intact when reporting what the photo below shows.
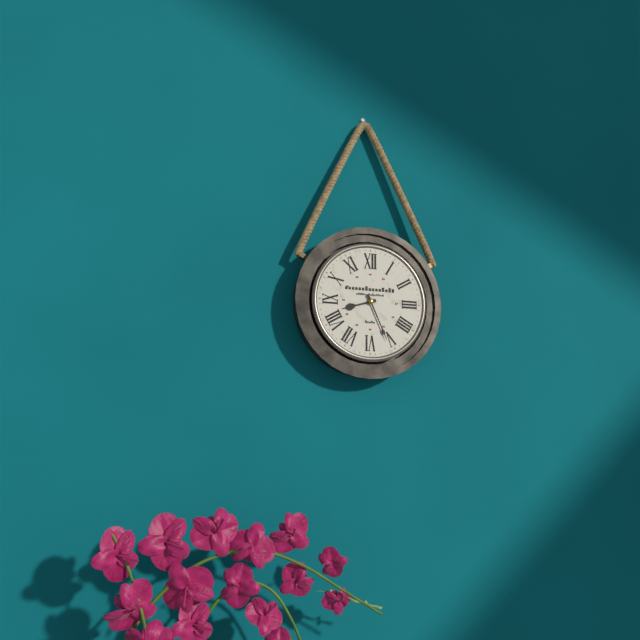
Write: 8 h 26 min
